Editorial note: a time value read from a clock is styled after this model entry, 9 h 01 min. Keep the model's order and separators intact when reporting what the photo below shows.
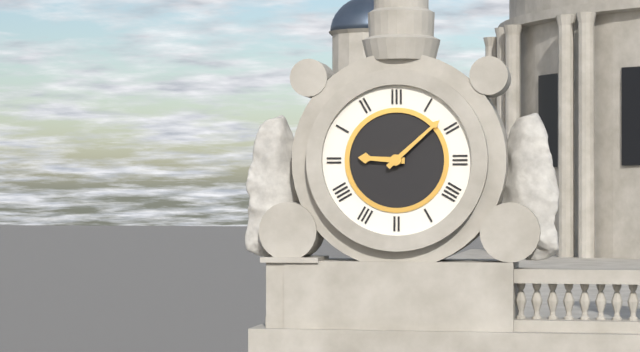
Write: 9 h 08 min
